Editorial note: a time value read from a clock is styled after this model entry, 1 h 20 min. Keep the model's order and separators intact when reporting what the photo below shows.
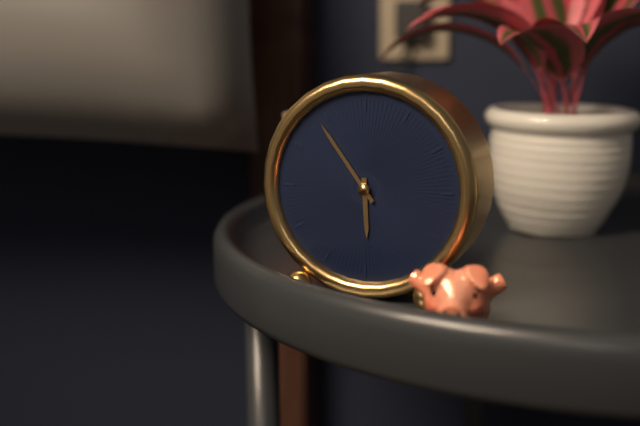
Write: 5 h 54 min
